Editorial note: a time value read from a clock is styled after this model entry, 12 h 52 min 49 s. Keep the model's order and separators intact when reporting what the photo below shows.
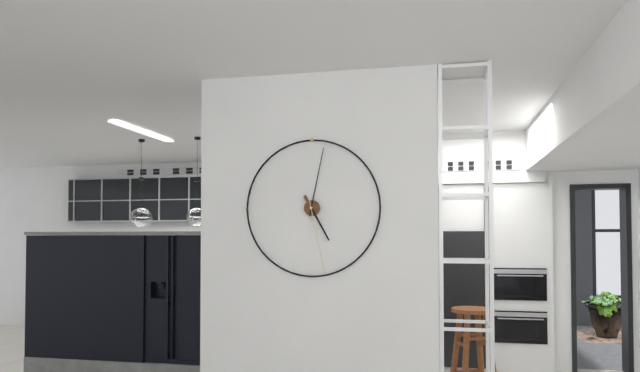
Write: 5 h 02 min 28 s
